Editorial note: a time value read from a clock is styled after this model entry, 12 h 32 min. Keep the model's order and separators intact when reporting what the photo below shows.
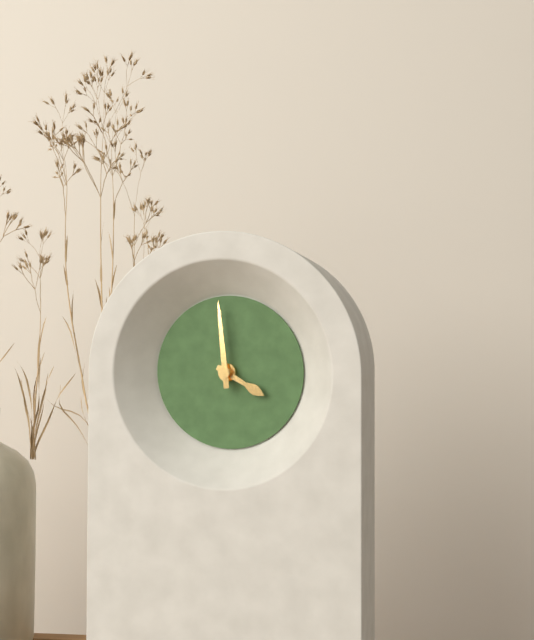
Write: 3 h 59 min
